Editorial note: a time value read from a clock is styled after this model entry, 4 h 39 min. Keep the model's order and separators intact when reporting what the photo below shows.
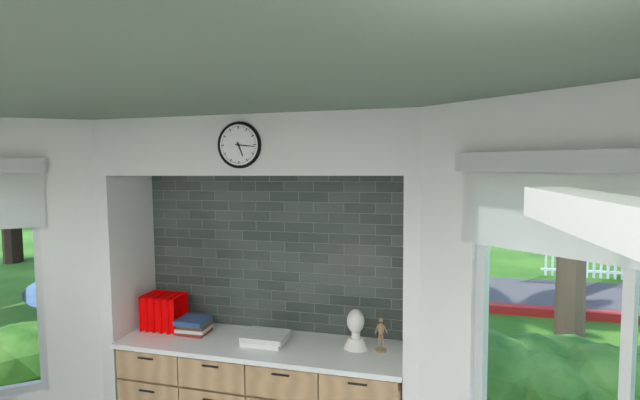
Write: 5 h 16 min
